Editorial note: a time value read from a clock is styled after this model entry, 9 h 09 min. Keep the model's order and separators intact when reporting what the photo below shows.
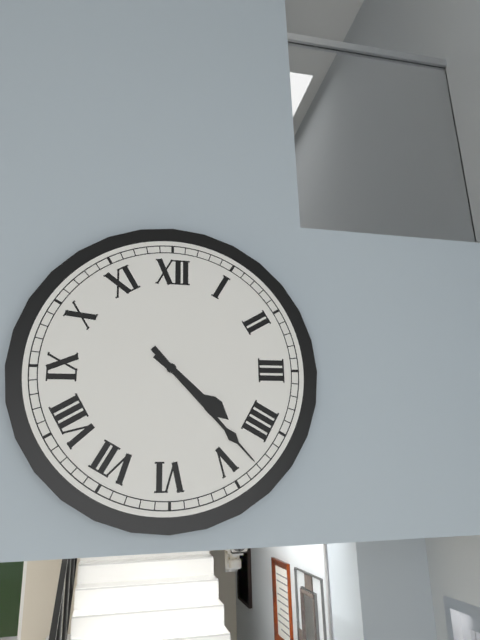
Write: 4 h 23 min
